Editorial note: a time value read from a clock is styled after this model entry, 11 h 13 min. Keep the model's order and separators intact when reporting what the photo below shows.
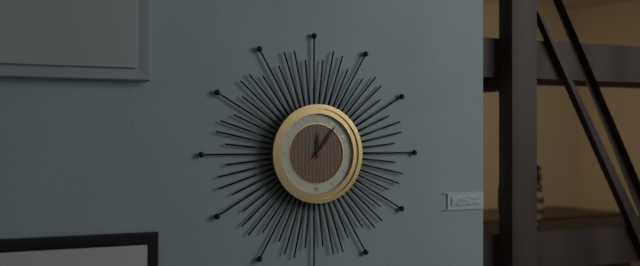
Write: 12 h 06 min
